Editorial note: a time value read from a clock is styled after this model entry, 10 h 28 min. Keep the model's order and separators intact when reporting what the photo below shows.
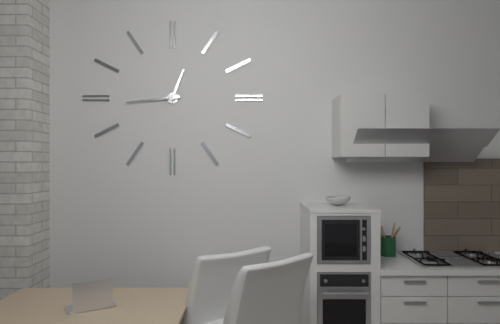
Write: 12 h 44 min
